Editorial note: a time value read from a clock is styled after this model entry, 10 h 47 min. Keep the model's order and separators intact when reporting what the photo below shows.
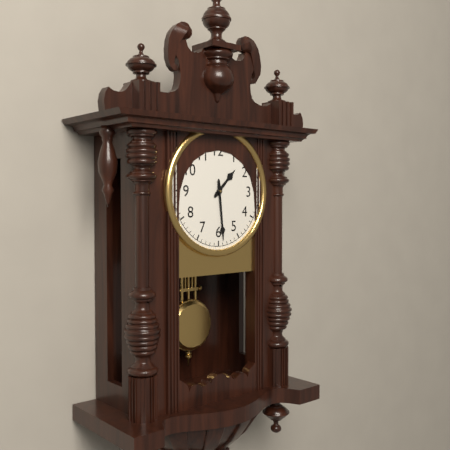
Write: 1 h 29 min
